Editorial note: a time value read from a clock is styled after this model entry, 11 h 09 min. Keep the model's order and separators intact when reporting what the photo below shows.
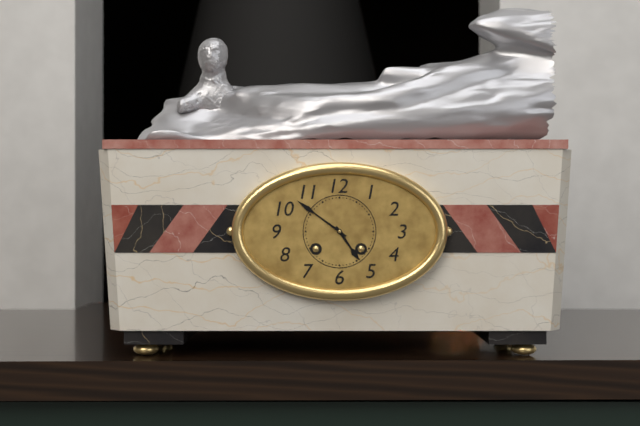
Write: 4 h 51 min
